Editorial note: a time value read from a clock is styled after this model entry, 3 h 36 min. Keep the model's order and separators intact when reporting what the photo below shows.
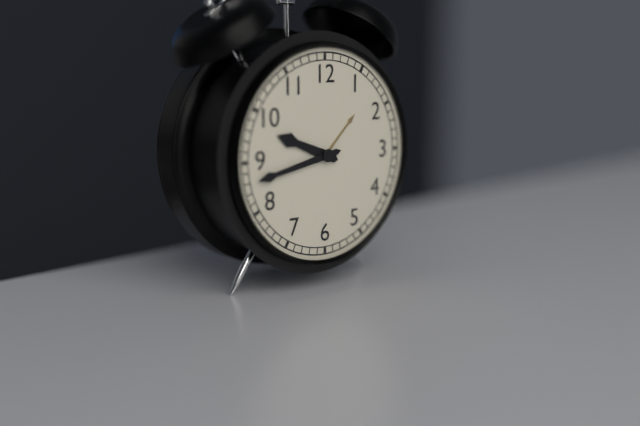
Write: 9 h 43 min
